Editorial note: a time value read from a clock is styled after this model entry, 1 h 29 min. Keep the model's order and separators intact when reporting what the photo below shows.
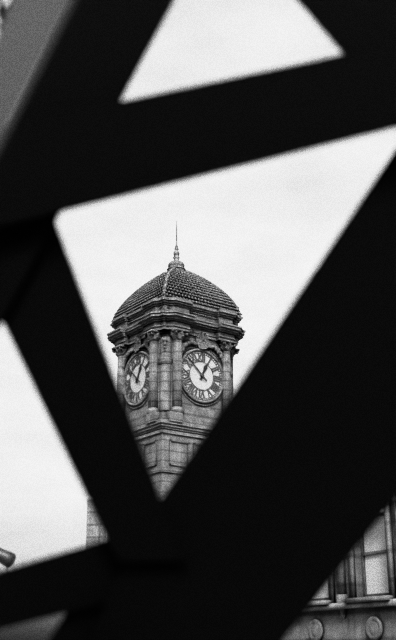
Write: 12 h 52 min
